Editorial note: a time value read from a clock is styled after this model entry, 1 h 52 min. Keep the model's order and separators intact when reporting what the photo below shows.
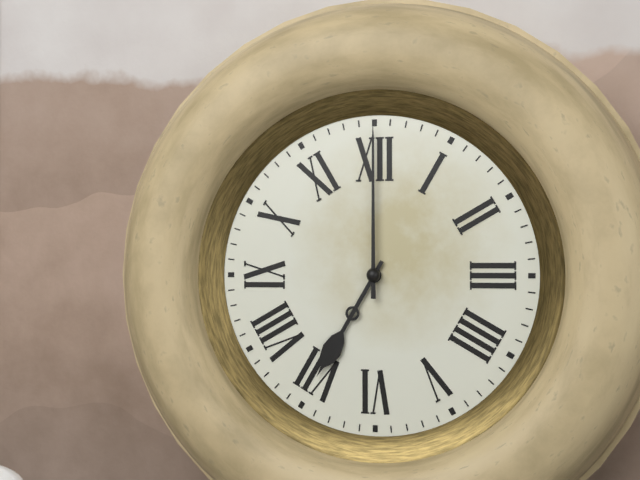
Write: 7 h 00 min
